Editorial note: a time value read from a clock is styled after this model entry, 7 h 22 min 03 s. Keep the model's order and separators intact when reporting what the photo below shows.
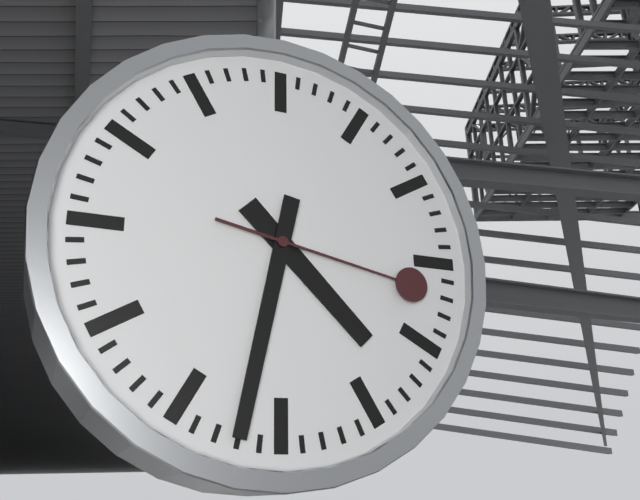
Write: 4 h 32 min 17 s
